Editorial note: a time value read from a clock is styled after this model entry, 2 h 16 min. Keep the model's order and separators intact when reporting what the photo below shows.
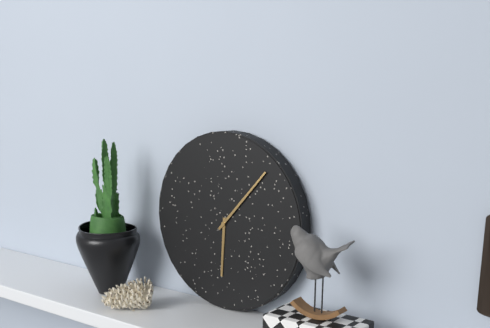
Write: 6 h 07 min
